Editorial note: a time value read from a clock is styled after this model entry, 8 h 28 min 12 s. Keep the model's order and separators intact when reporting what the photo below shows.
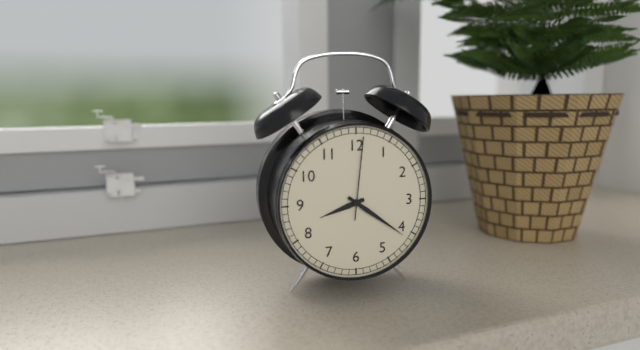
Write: 8 h 21 min 01 s
